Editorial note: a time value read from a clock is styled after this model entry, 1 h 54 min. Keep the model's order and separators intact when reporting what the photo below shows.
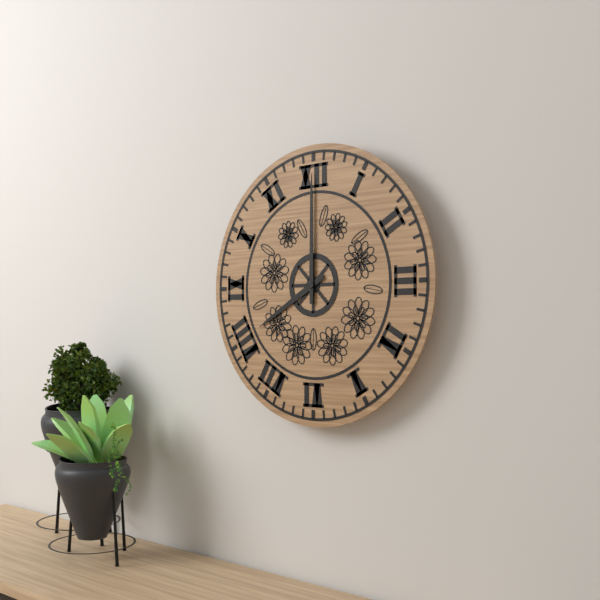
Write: 8 h 00 min
